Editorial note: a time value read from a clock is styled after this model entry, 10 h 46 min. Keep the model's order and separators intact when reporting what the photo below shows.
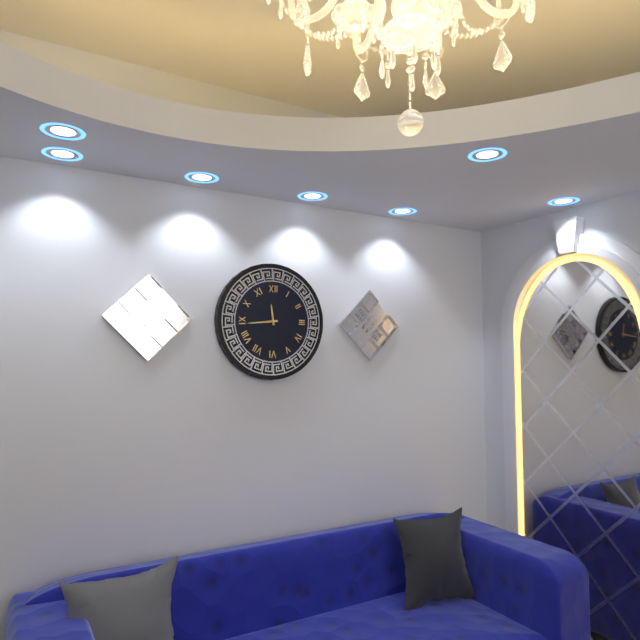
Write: 11 h 44 min
